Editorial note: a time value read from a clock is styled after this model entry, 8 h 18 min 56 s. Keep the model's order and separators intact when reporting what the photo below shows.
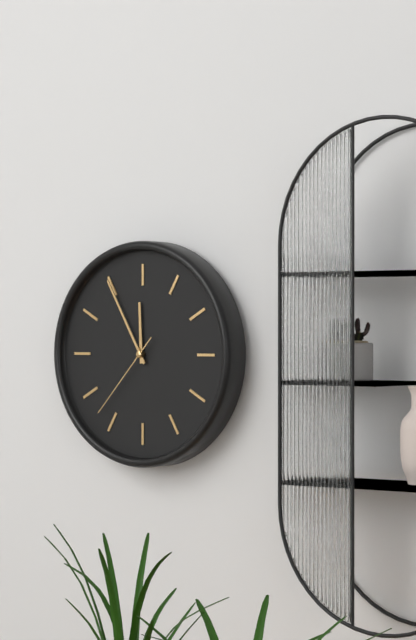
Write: 11 h 55 min 37 s
